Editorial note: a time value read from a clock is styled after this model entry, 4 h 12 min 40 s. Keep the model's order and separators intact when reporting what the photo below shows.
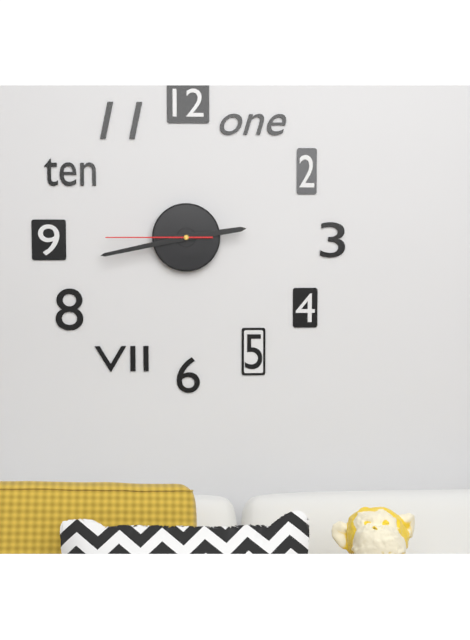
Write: 2 h 43 min 45 s
